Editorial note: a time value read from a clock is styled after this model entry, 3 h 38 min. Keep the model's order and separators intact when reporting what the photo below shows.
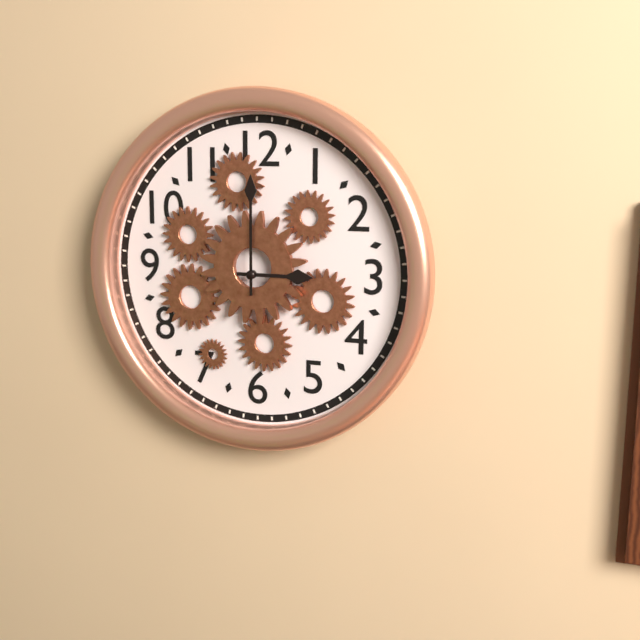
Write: 3 h 00 min
